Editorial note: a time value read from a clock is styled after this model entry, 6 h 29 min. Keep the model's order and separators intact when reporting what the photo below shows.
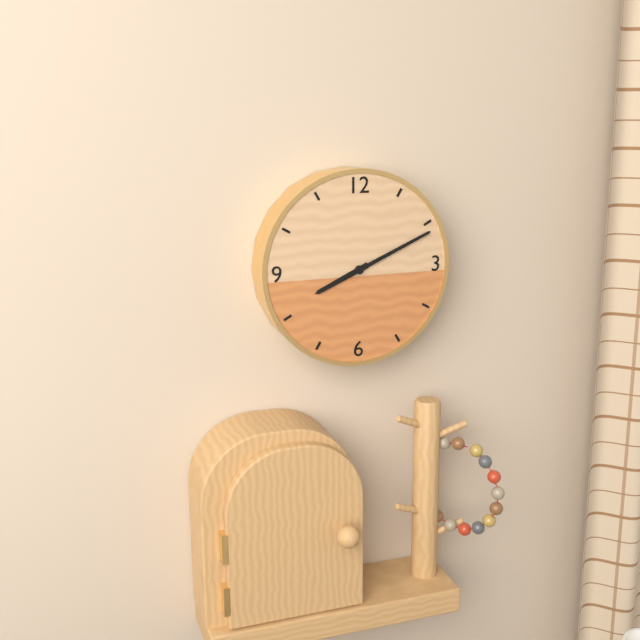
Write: 8 h 11 min
